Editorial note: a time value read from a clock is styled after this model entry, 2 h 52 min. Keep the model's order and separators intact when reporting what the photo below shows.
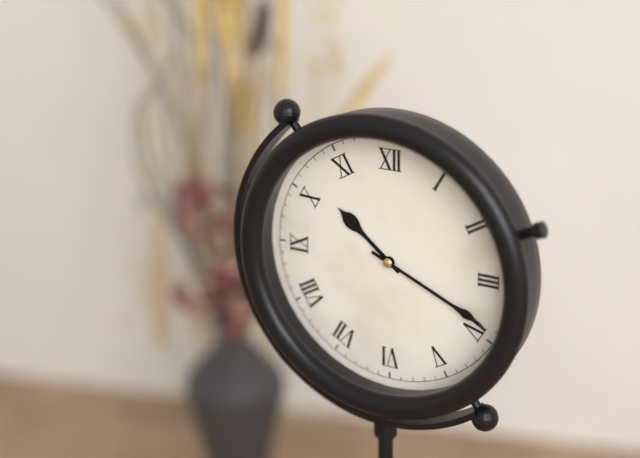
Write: 10 h 19 min
